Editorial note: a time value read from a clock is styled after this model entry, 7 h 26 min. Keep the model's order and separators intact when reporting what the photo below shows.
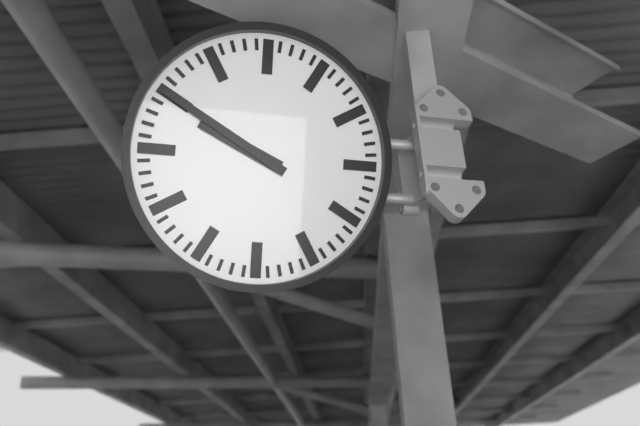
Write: 9 h 50 min
